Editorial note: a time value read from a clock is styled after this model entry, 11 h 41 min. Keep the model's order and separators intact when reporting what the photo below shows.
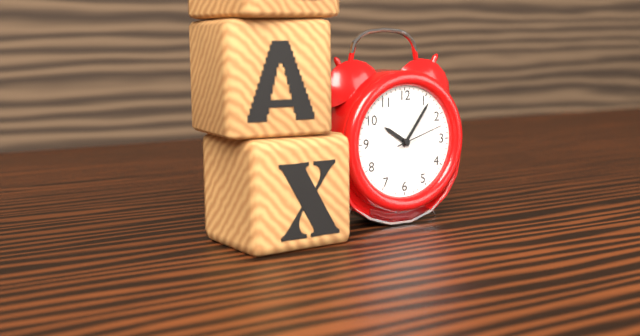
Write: 10 h 06 min
